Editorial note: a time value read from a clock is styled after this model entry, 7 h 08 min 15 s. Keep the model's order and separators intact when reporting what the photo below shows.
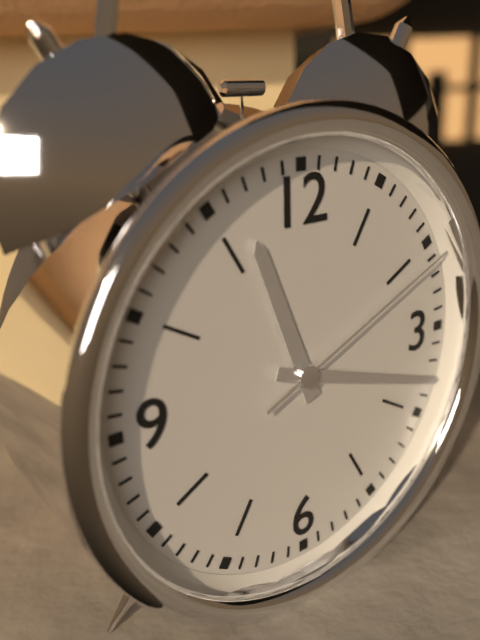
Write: 11 h 18 min 11 s
